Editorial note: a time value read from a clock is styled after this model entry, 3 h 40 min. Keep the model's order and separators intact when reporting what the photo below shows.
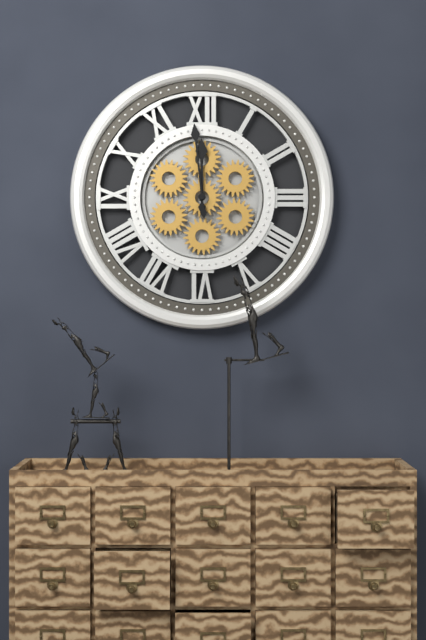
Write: 11 h 59 min
